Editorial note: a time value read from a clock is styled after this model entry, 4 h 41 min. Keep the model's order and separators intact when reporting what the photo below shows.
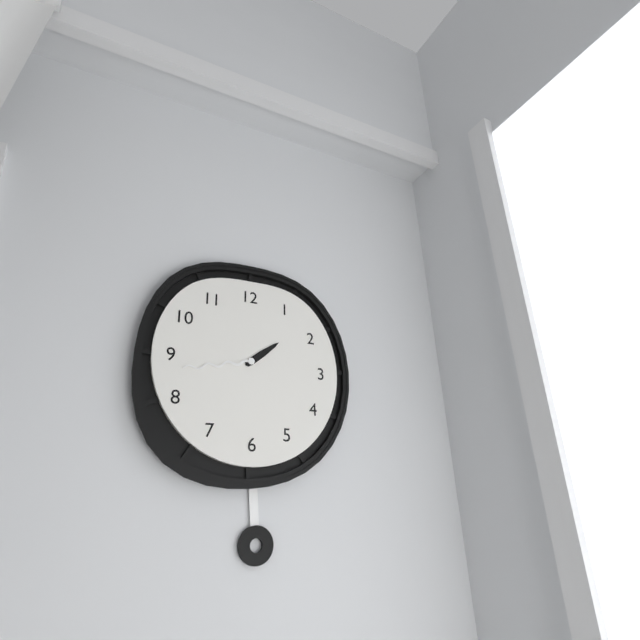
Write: 1 h 43 min
